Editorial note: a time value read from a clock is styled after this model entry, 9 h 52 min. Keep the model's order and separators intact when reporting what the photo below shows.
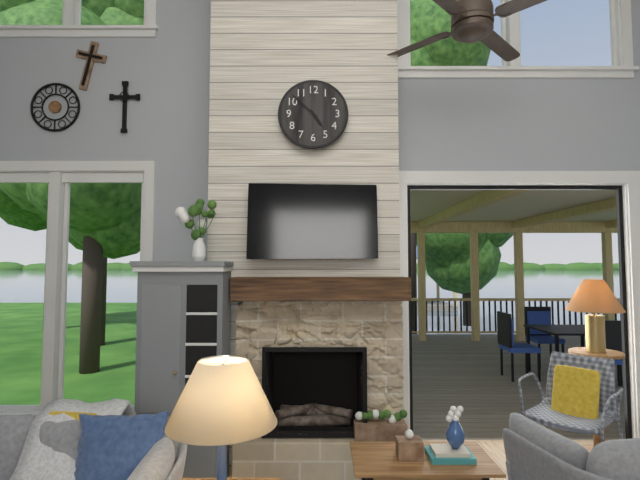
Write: 4 h 52 min
